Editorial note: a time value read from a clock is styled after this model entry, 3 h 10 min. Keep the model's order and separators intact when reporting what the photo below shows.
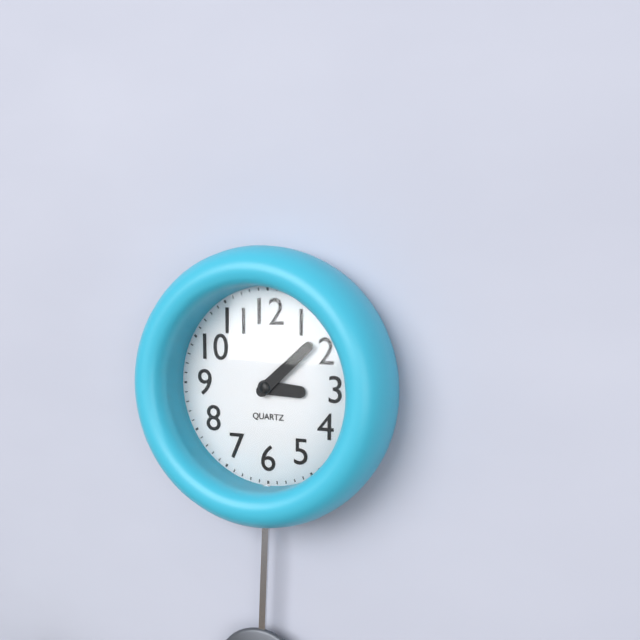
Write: 3 h 08 min
